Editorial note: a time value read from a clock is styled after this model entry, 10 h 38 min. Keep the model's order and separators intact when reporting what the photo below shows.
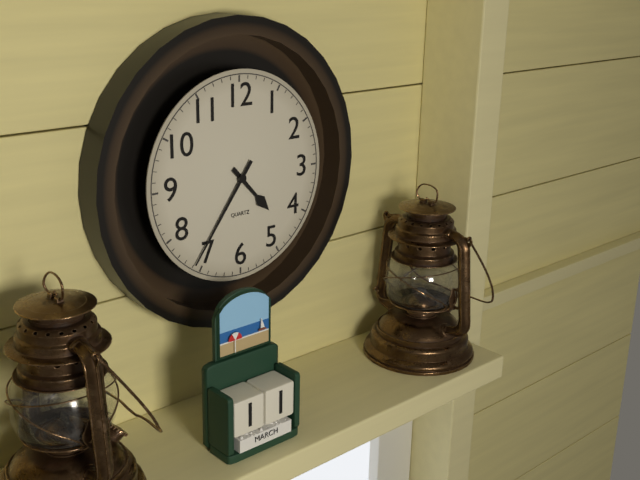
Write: 4 h 36 min
